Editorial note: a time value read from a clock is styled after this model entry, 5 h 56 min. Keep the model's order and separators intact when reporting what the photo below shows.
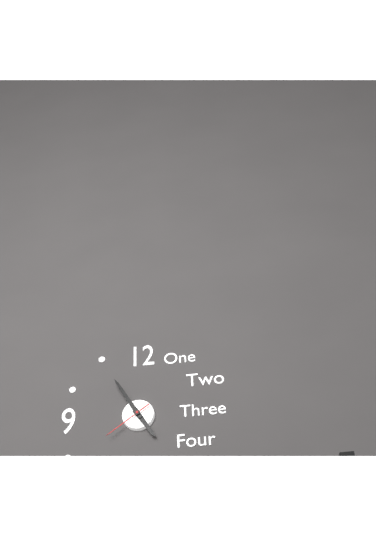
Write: 4 h 55 min
